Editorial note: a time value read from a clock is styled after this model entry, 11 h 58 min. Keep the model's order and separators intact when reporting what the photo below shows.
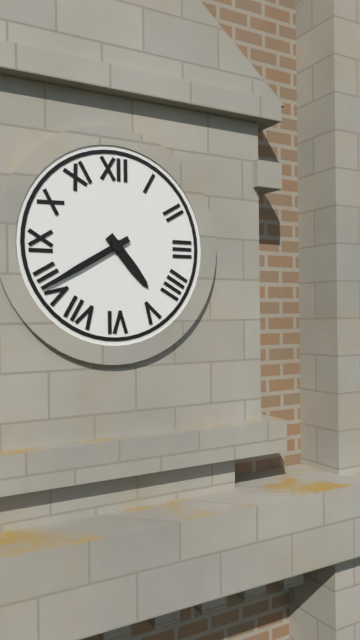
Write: 4 h 40 min
